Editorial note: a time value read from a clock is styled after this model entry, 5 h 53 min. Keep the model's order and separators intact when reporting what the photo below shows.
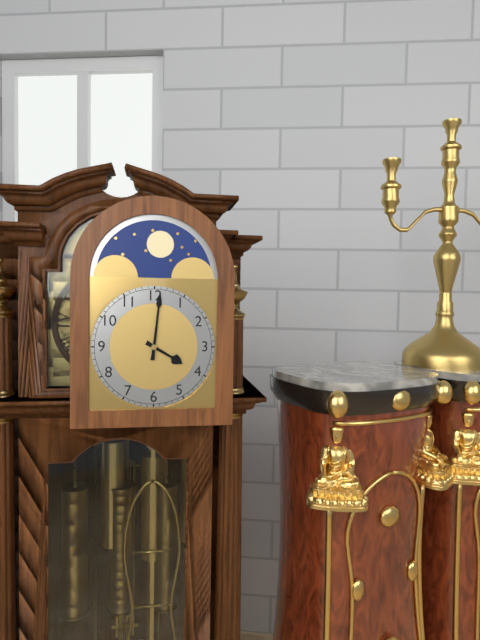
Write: 4 h 01 min
